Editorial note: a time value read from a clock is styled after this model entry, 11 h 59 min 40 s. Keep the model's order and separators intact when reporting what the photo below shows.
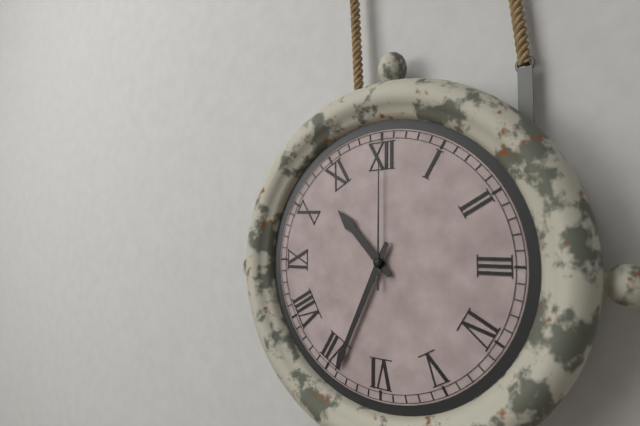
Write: 10 h 34 min 00 s
